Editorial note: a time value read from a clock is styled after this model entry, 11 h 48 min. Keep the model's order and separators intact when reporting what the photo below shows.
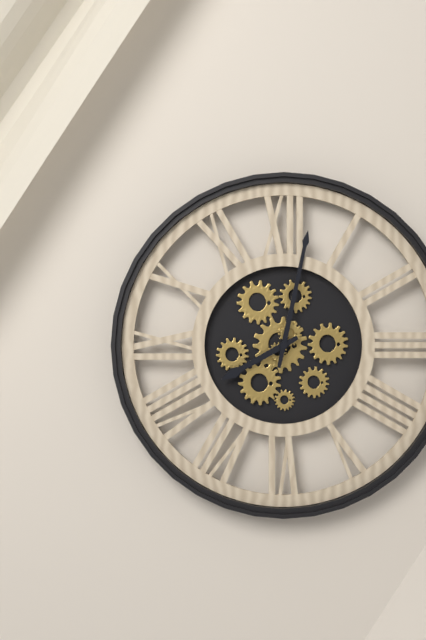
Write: 8 h 02 min
